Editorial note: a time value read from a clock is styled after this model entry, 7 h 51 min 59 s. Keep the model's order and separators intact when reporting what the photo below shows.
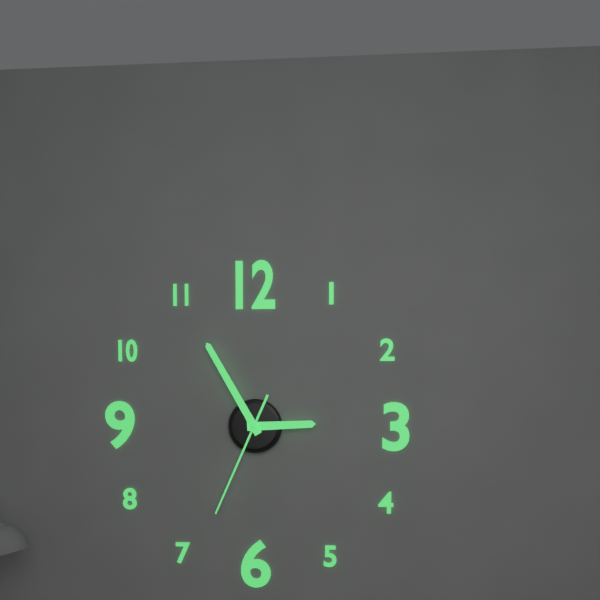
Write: 2 h 55 min 34 s
